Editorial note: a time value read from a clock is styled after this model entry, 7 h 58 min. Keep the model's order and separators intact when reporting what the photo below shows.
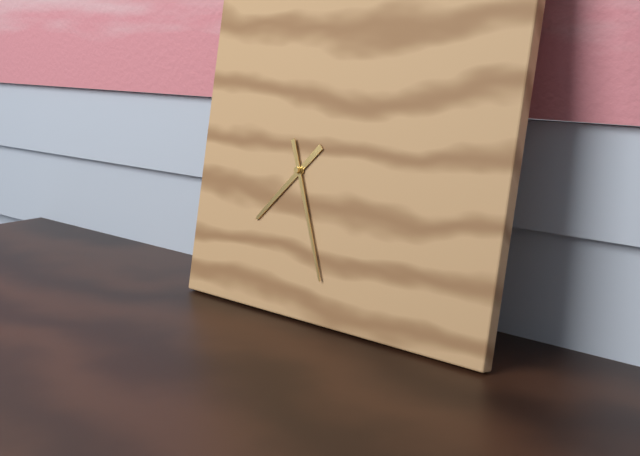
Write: 7 h 26 min
